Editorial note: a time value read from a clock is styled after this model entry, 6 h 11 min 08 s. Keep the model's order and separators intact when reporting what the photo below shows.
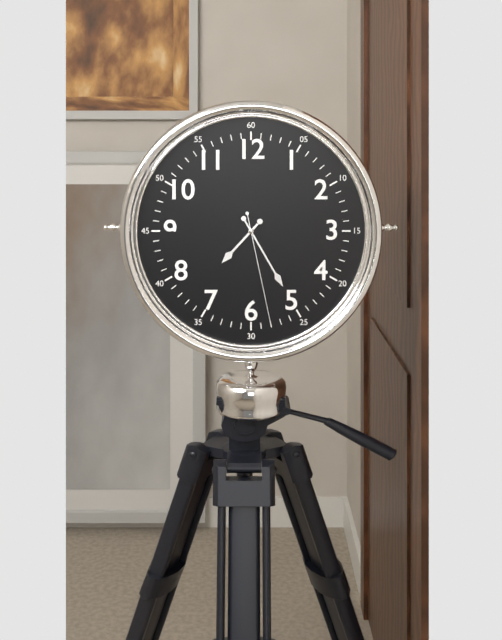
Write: 7 h 25 min 28 s
